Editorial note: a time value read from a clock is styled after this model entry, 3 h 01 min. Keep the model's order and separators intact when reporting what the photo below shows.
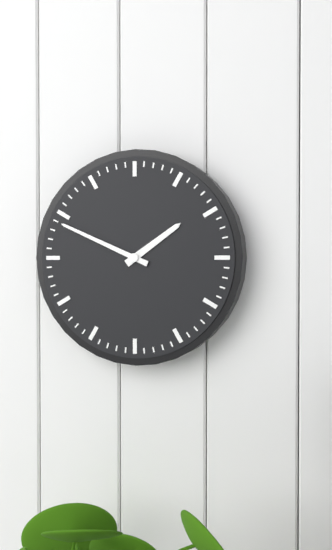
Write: 1 h 49 min
